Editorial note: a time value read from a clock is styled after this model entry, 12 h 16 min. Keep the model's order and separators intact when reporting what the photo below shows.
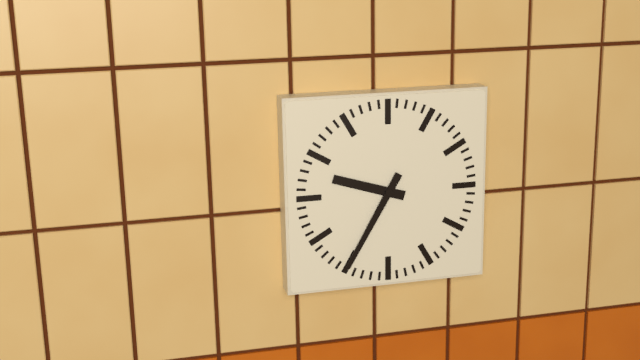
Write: 9 h 35 min
